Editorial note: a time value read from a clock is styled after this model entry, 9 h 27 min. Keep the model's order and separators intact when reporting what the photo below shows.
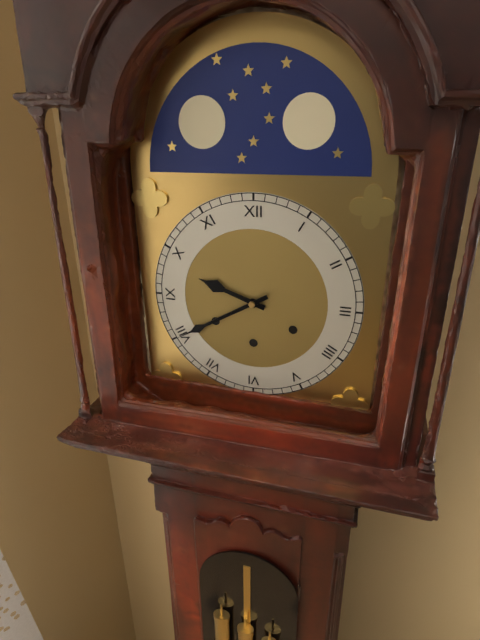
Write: 9 h 40 min
